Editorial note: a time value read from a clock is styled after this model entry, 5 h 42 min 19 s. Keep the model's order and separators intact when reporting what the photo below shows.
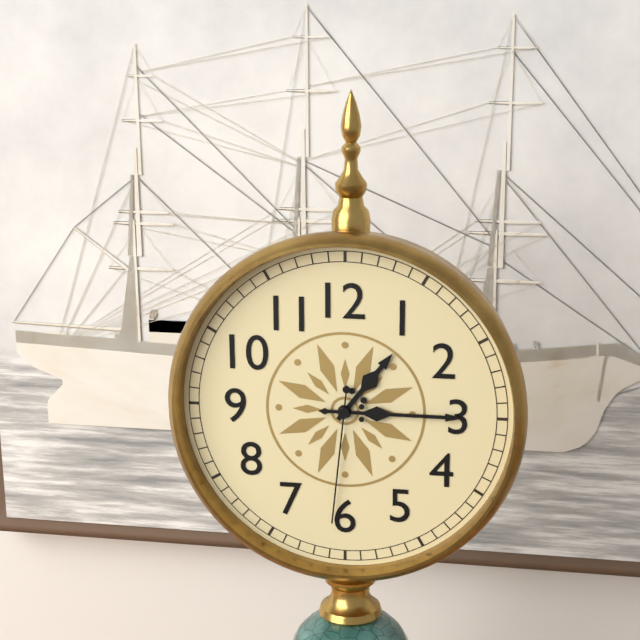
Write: 1 h 15 min 31 s
